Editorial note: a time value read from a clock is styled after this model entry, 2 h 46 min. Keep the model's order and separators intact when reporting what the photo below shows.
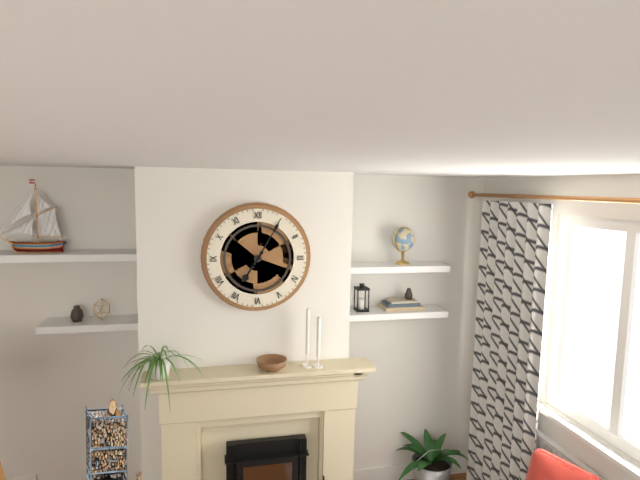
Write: 7 h 05 min
